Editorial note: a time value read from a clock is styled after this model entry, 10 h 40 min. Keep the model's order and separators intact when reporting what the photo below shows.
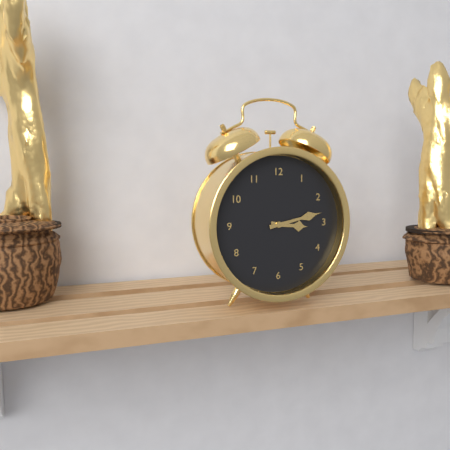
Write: 3 h 13 min
